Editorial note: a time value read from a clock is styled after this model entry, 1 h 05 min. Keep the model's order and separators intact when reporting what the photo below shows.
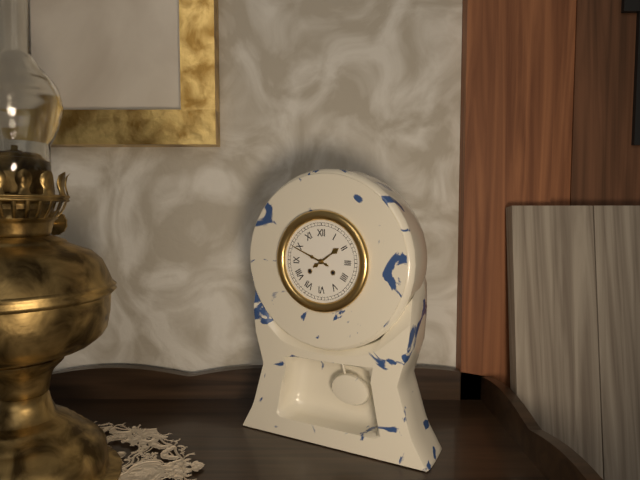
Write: 1 h 49 min
